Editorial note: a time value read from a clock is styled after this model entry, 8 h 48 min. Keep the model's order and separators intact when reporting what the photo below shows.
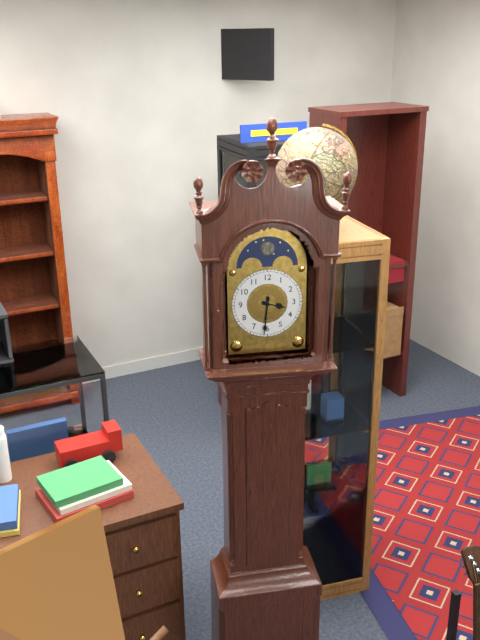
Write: 3 h 31 min
